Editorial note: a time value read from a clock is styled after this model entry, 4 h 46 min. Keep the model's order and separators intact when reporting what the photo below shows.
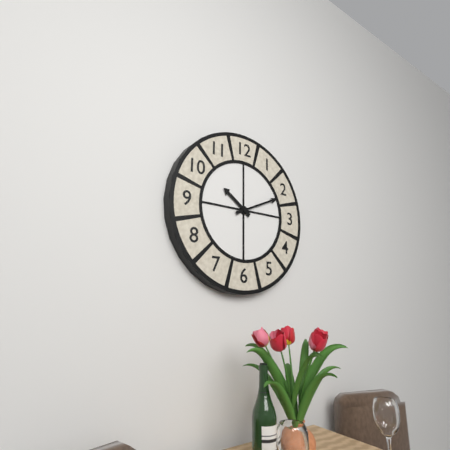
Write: 10 h 11 min
